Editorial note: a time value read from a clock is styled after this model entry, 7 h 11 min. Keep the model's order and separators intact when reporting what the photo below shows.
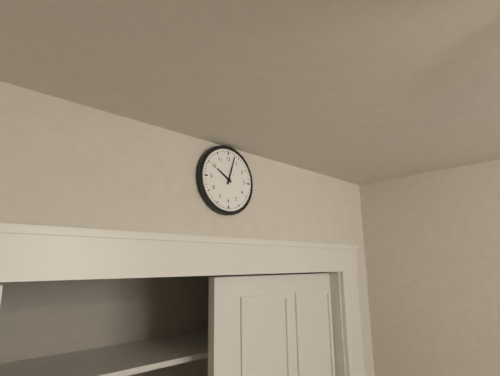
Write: 10 h 03 min
